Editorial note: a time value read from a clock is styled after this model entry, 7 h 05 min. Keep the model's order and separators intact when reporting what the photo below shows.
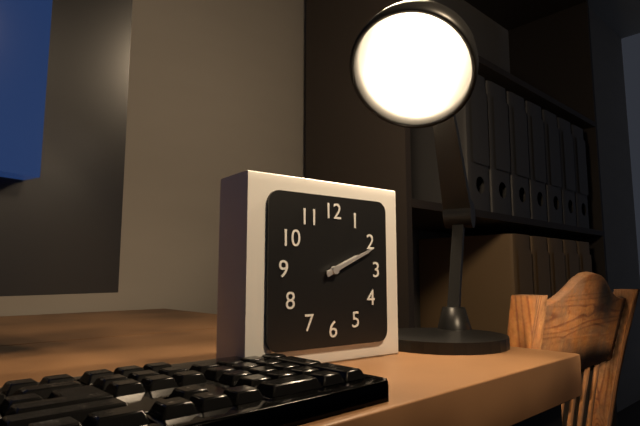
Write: 2 h 11 min
